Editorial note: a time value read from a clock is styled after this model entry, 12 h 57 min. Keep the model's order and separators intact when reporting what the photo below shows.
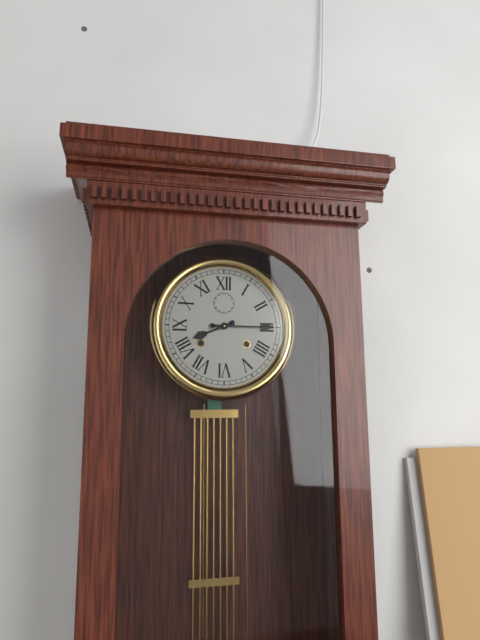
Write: 8 h 15 min
